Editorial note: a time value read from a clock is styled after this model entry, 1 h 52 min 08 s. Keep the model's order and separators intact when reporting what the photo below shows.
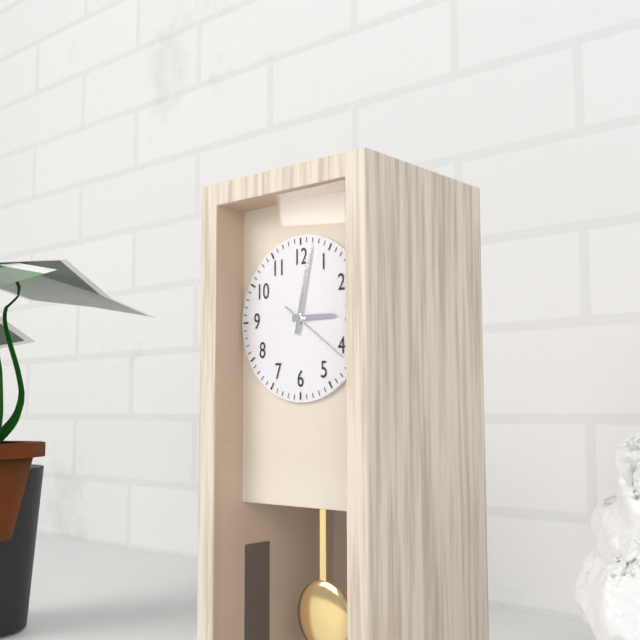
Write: 3 h 02 min 21 s
